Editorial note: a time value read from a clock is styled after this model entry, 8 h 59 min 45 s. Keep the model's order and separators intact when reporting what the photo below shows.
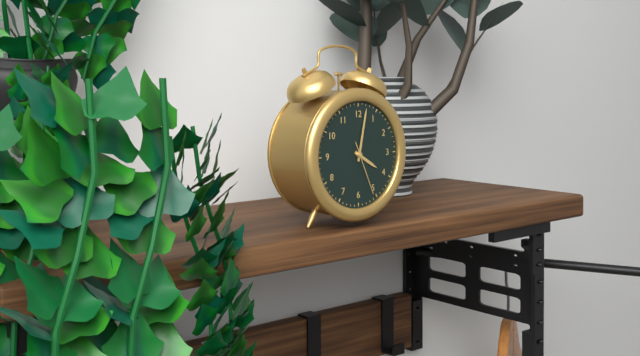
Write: 4 h 02 min 26 s
